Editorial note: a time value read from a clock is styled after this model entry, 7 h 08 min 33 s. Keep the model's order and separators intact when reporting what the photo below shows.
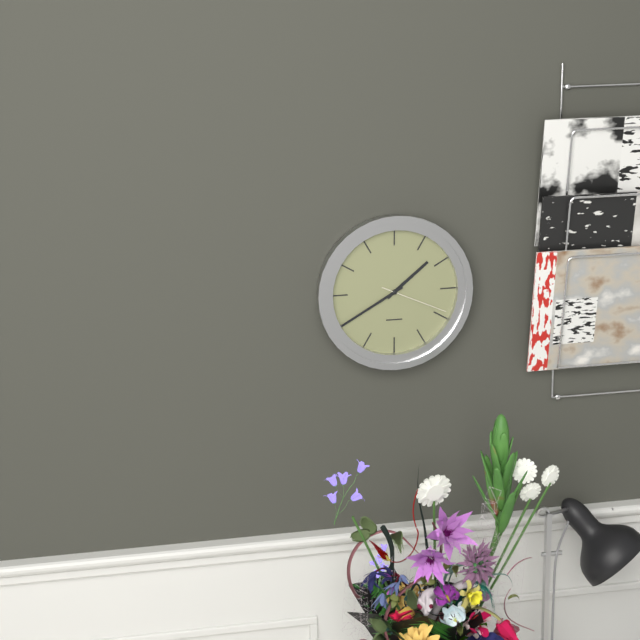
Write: 1 h 40 min 19 s
